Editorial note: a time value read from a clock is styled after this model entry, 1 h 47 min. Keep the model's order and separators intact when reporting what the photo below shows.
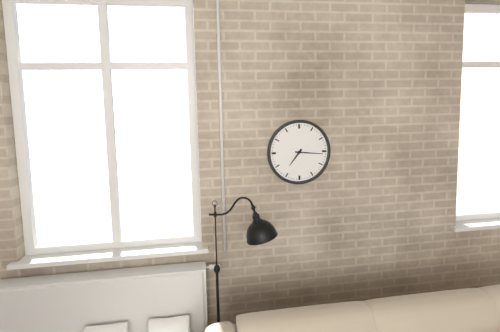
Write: 7 h 16 min
